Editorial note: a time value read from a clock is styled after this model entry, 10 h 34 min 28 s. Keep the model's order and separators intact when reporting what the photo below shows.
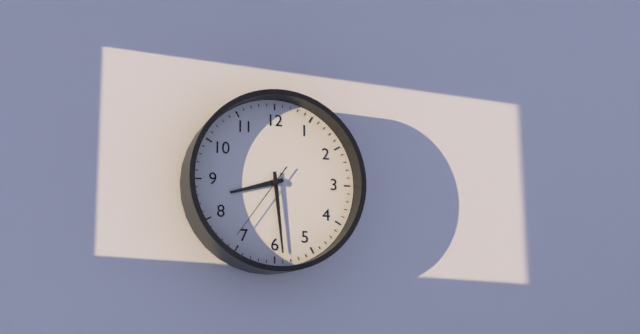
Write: 8 h 29 min 36 s
